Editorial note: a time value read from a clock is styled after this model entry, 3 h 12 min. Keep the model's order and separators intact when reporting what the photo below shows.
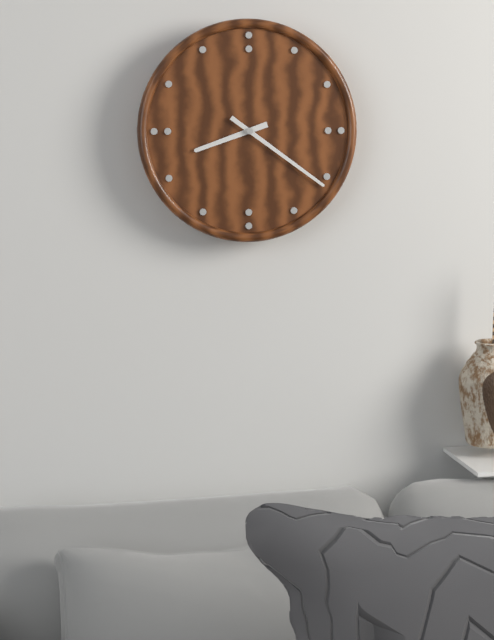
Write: 8 h 21 min
